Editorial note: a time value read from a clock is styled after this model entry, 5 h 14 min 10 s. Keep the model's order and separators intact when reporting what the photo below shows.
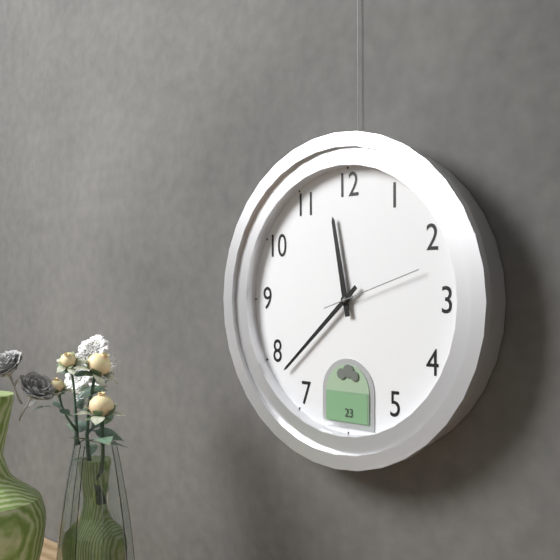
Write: 11 h 38 min 12 s
